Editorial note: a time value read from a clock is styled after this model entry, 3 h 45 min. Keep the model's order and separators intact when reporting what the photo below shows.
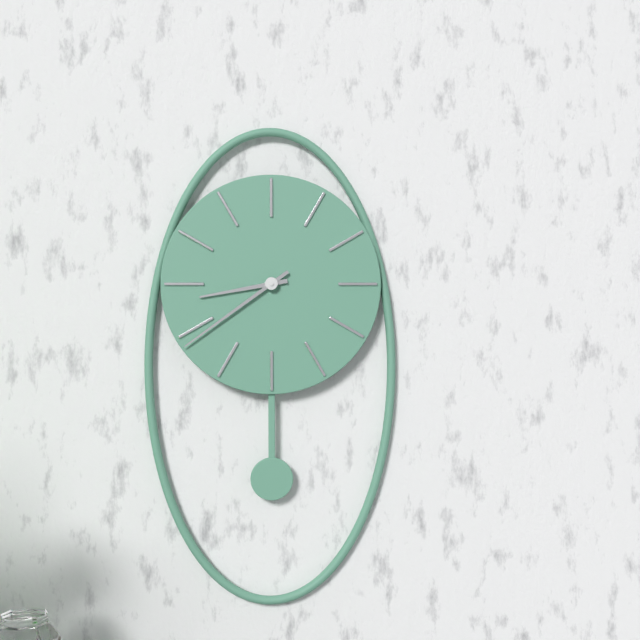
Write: 8 h 39 min
